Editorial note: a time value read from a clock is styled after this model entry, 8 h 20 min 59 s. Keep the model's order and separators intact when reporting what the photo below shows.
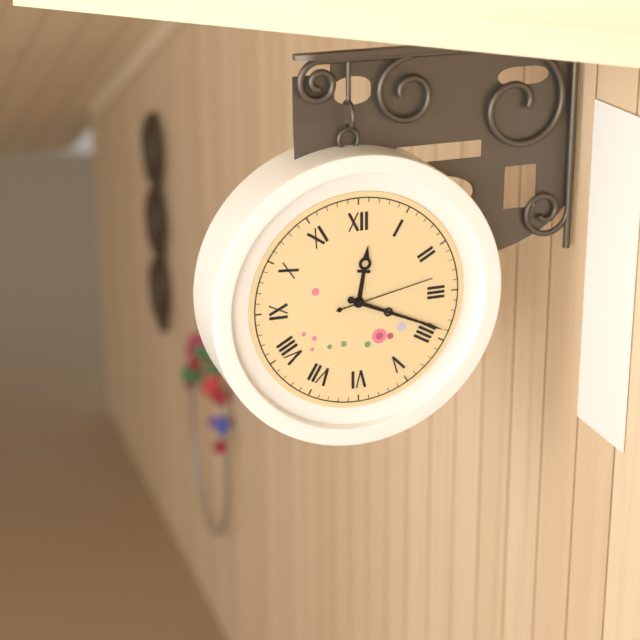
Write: 12 h 19 min 13 s
